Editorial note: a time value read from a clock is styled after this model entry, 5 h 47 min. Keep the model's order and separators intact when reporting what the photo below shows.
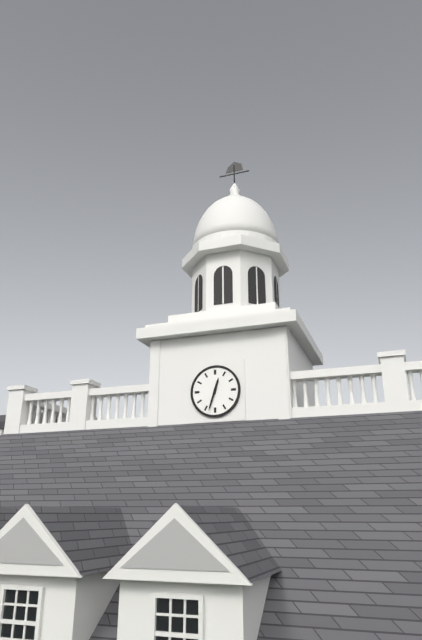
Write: 12 h 33 min
